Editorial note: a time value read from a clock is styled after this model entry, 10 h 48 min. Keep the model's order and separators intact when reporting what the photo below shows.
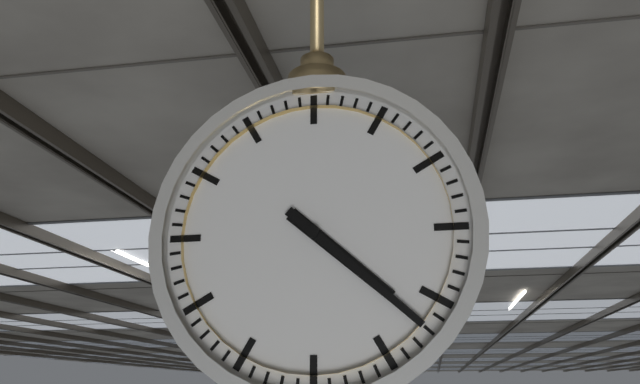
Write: 4 h 22 min
